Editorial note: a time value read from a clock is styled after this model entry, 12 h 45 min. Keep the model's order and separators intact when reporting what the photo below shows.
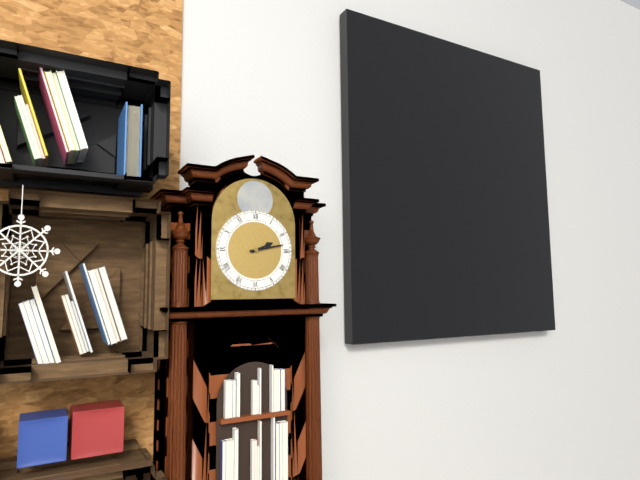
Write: 2 h 13 min
